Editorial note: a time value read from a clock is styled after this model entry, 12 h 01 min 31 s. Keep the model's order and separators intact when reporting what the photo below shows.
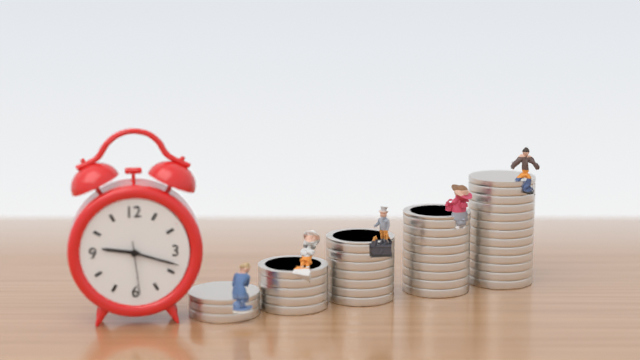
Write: 9 h 18 min 29 s
